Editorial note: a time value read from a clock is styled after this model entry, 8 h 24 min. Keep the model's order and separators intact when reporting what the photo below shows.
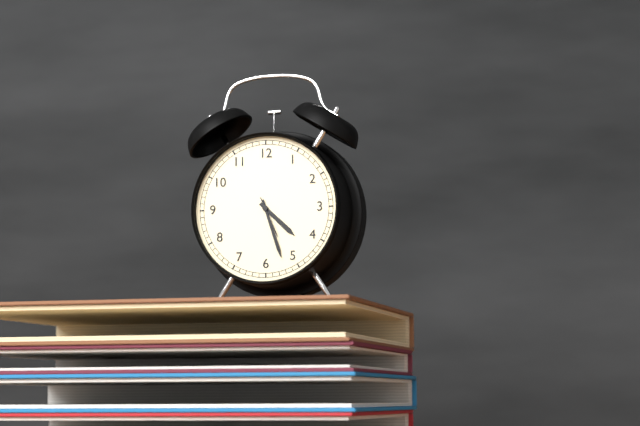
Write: 4 h 27 min
